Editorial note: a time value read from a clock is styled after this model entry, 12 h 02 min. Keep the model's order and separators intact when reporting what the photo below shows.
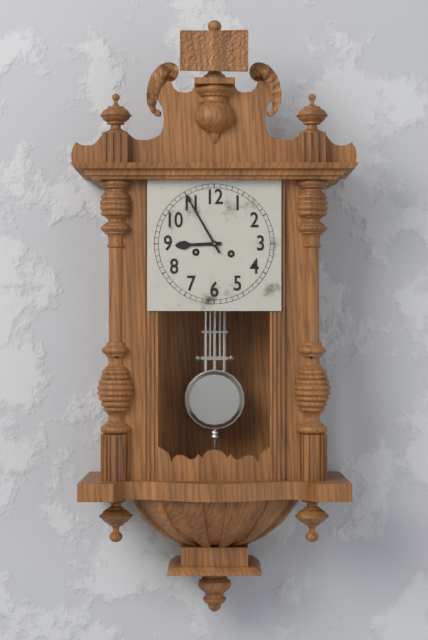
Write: 8 h 55 min
